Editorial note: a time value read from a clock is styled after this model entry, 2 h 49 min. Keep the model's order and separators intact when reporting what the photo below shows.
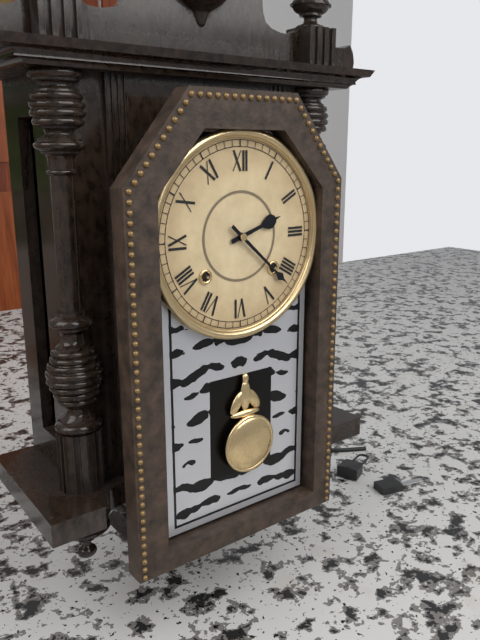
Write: 2 h 22 min
